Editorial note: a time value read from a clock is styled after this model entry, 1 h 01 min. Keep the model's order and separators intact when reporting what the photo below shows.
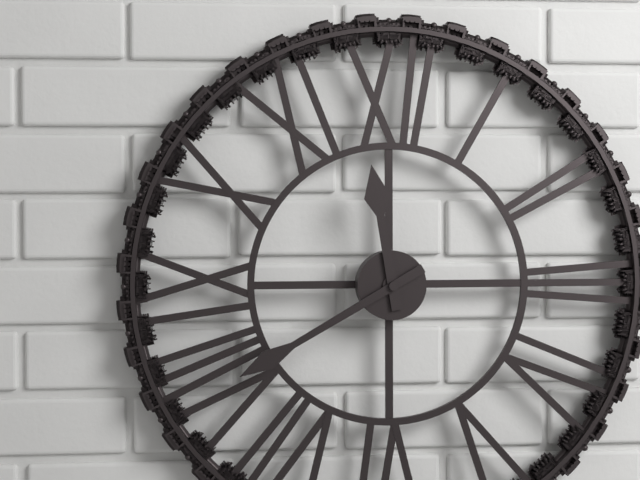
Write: 11 h 40 min
